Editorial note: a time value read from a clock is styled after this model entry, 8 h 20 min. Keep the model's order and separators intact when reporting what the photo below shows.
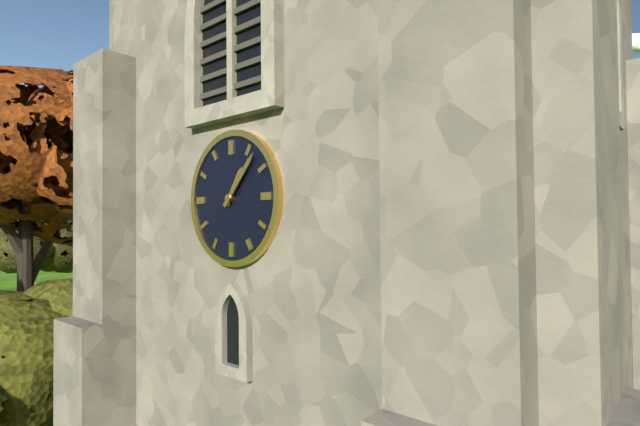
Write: 1 h 07 min
